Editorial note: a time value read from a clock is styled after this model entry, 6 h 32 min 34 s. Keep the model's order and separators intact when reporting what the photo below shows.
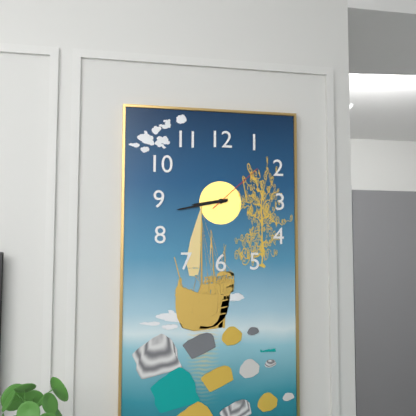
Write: 8 h 43 min 08 s
